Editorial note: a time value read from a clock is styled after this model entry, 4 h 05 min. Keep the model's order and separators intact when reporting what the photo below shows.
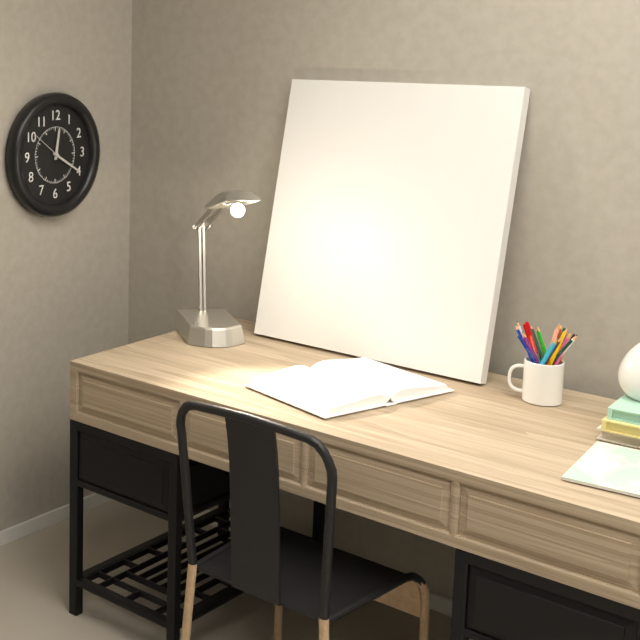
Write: 12 h 20 min
